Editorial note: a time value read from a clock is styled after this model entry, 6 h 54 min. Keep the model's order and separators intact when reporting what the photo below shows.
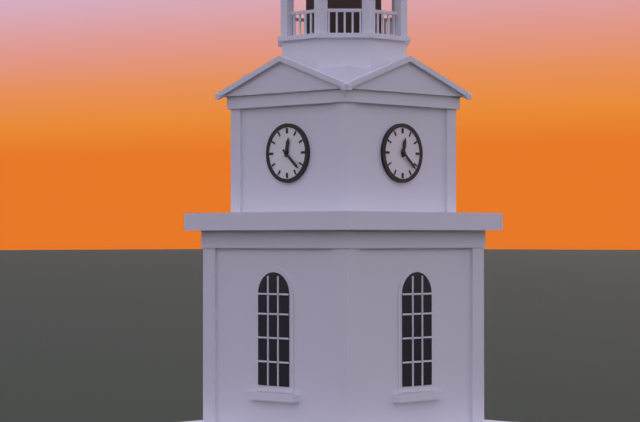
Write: 12 h 22 min
